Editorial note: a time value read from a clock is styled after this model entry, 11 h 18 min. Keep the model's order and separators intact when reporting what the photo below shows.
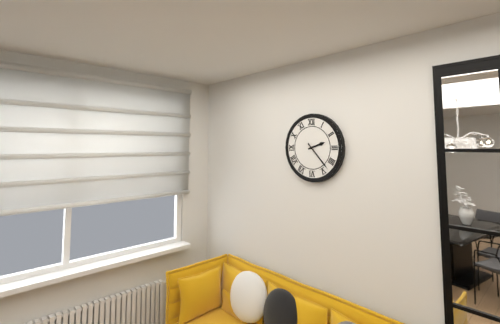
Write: 2 h 23 min
